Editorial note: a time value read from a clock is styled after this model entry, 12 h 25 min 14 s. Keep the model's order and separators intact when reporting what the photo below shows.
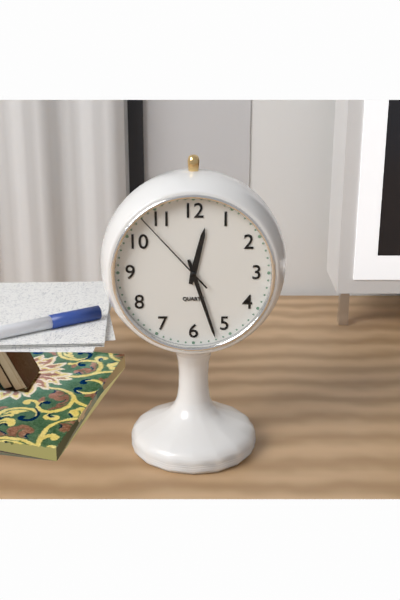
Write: 12 h 27 min 53 s
